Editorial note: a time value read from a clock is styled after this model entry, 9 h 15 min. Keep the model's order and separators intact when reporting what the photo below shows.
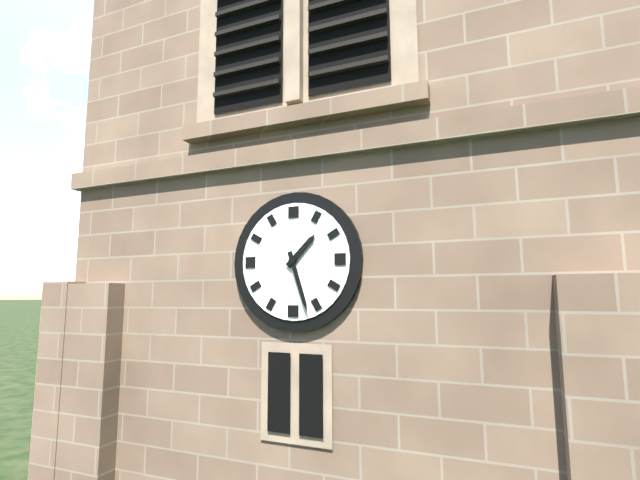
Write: 1 h 27 min
